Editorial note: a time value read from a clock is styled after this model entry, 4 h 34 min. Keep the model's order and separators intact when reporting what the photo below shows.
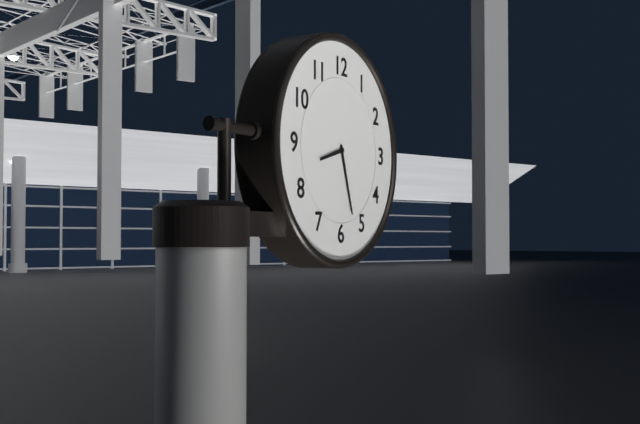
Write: 8 h 27 min
